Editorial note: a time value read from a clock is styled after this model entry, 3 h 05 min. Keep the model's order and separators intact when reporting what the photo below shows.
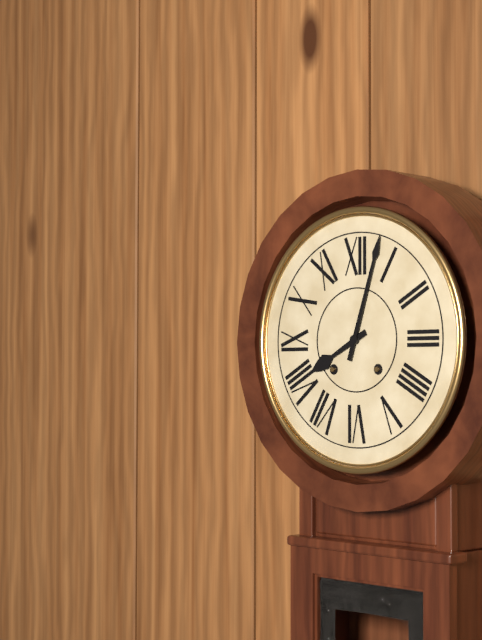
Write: 8 h 03 min
